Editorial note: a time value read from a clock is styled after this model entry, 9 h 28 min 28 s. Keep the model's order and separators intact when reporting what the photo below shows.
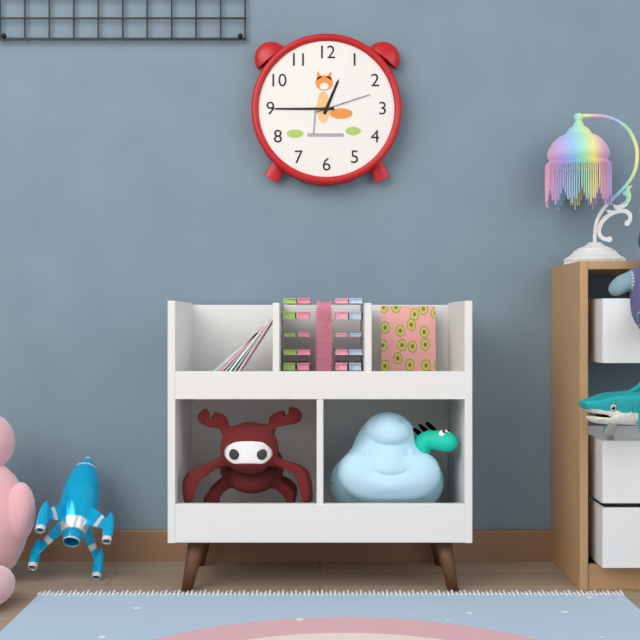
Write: 12 h 45 min 12 s
